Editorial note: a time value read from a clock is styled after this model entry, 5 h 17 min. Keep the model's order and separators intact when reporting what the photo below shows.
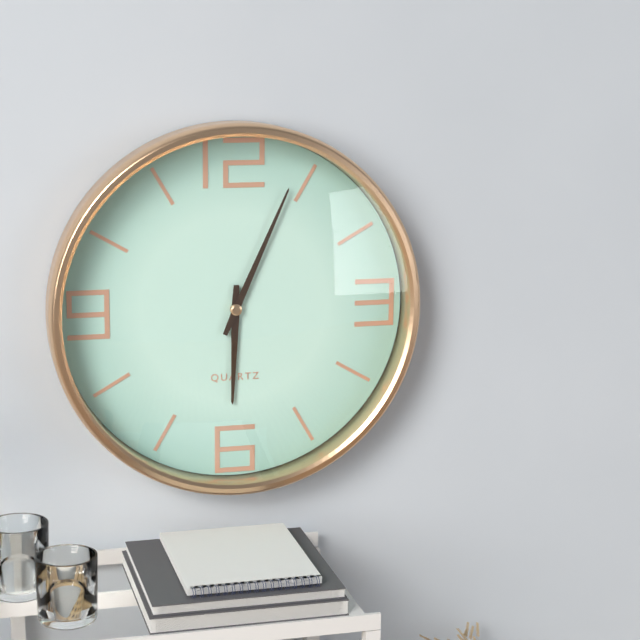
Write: 6 h 04 min
